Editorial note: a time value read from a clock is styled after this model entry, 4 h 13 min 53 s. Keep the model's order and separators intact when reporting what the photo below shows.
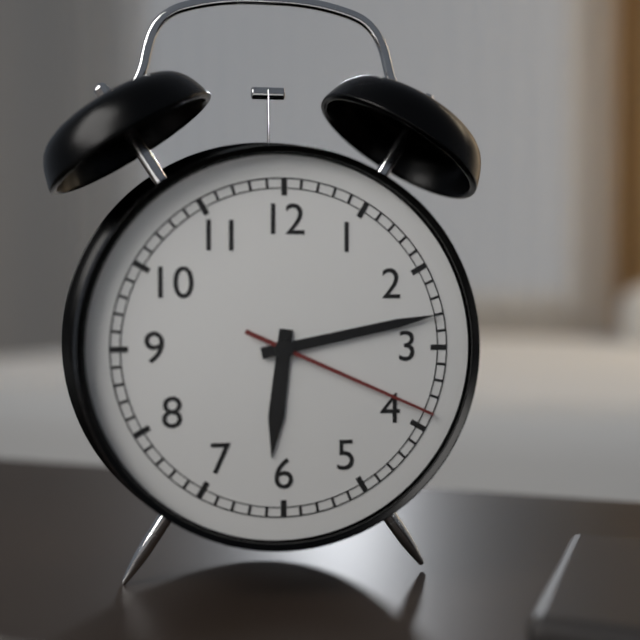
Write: 6 h 13 min 19 s
